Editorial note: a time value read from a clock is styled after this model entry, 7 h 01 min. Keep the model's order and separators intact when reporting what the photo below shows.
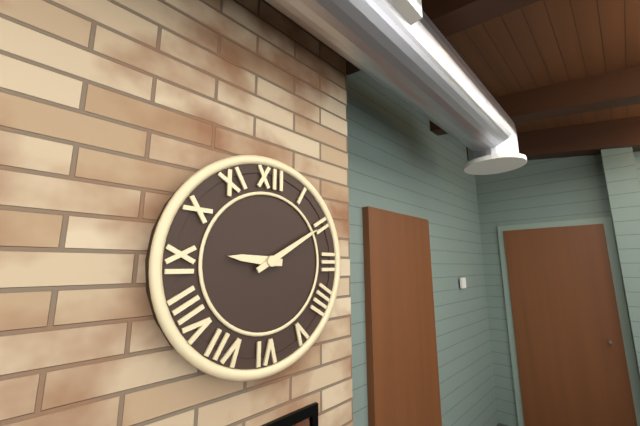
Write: 9 h 10 min
